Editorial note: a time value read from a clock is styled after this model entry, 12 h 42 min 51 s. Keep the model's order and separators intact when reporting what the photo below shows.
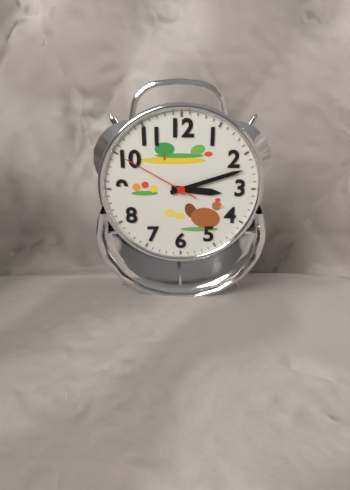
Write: 3 h 12 min 50 s
